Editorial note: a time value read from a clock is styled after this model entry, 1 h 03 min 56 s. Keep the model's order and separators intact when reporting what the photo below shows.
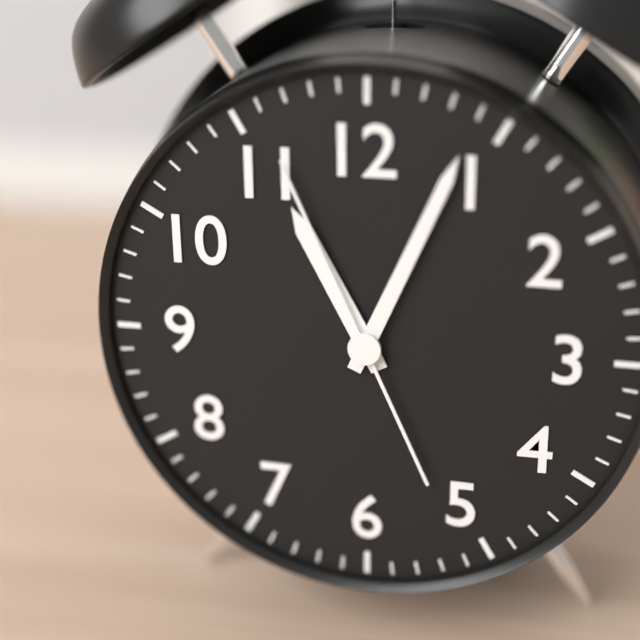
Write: 11 h 04 min 56 s
